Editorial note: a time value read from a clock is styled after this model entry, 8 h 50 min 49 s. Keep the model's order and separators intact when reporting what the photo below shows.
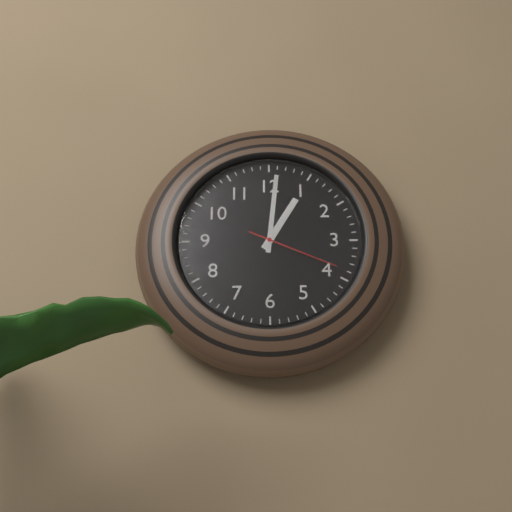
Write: 1 h 01 min 19 s
